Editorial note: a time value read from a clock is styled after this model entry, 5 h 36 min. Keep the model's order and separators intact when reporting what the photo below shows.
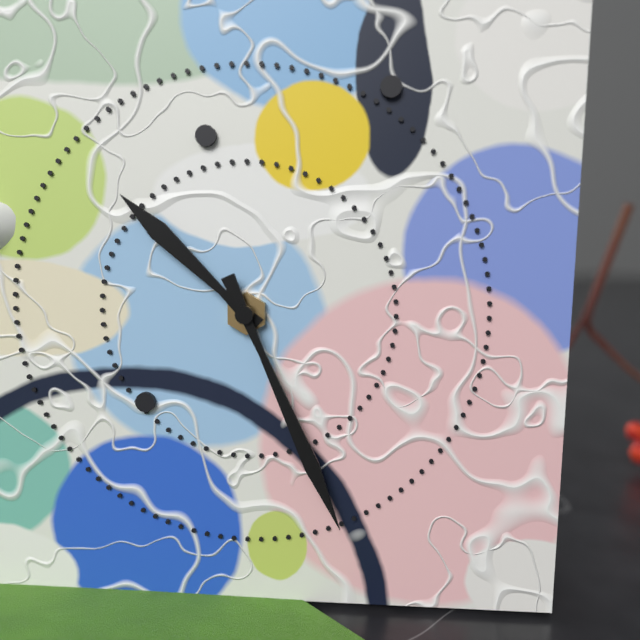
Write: 10 h 26 min
